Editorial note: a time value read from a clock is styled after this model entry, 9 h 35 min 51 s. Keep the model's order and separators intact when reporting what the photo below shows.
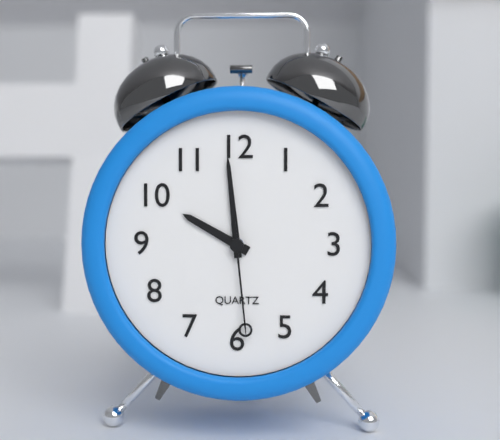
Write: 9 h 59 min 29 s
